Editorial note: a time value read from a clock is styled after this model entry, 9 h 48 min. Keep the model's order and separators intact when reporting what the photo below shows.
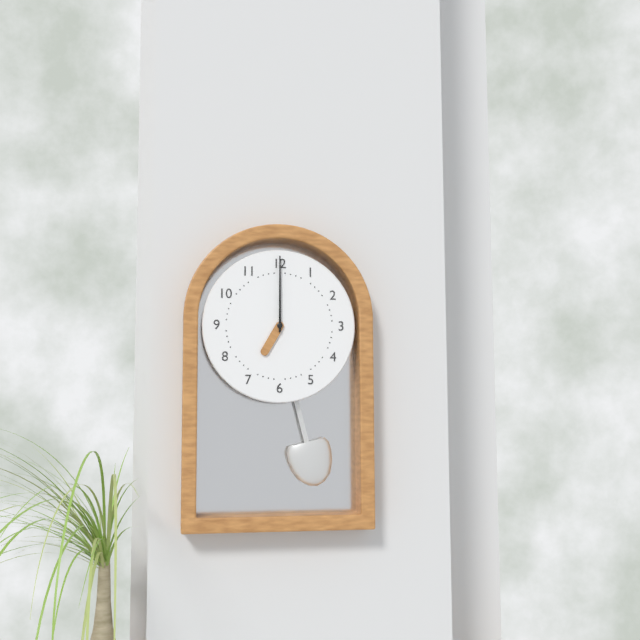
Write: 7 h 00 min
